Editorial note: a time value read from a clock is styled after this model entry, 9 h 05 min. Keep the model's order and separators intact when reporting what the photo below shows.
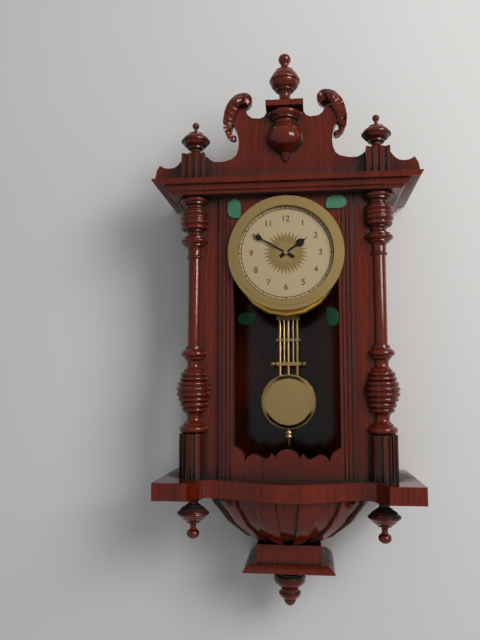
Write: 1 h 50 min
